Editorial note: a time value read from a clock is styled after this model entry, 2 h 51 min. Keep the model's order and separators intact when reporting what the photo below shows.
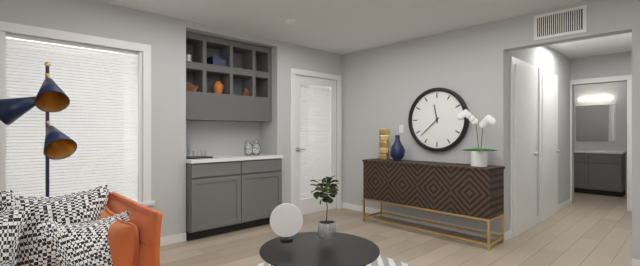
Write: 11 h 38 min
